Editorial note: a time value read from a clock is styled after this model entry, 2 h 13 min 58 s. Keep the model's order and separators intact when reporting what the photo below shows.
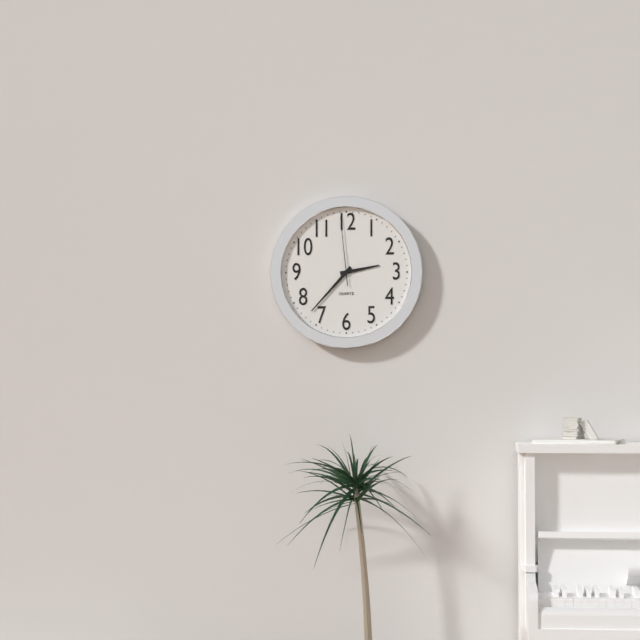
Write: 2 h 37 min 59 s
